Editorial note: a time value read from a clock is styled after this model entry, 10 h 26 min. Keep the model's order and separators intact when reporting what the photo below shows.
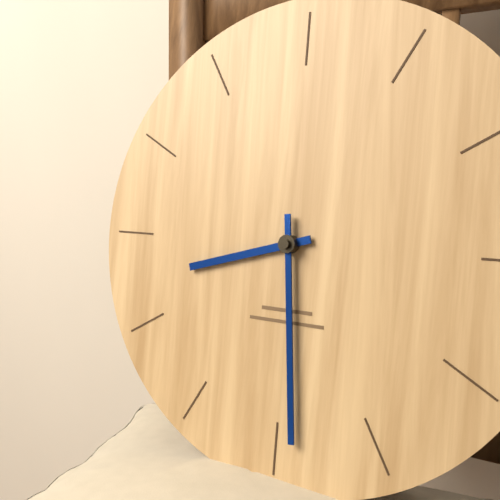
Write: 8 h 29 min
